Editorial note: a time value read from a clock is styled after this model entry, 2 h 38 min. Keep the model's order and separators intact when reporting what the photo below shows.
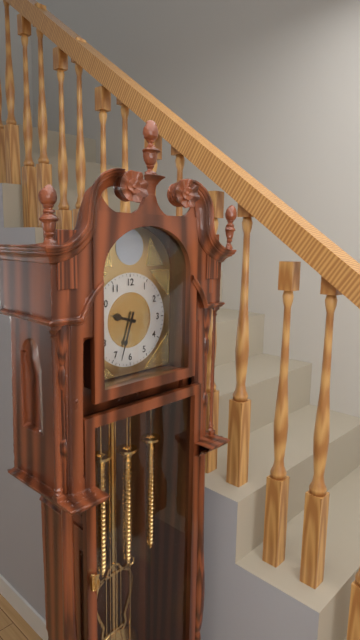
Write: 9 h 33 min
